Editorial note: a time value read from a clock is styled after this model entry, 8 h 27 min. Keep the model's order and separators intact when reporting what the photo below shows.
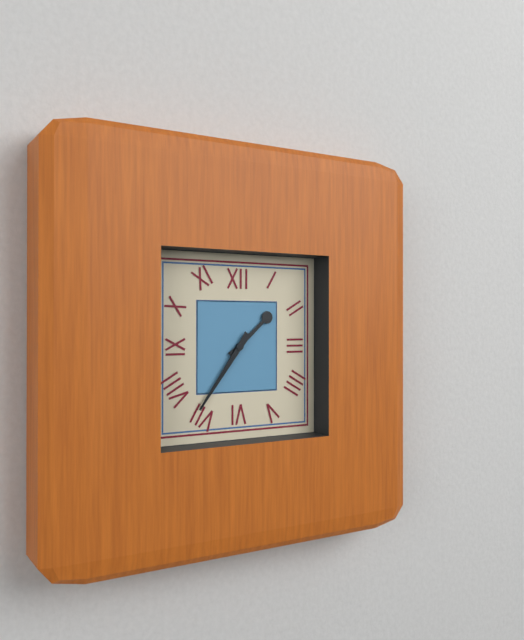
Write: 1 h 36 min
